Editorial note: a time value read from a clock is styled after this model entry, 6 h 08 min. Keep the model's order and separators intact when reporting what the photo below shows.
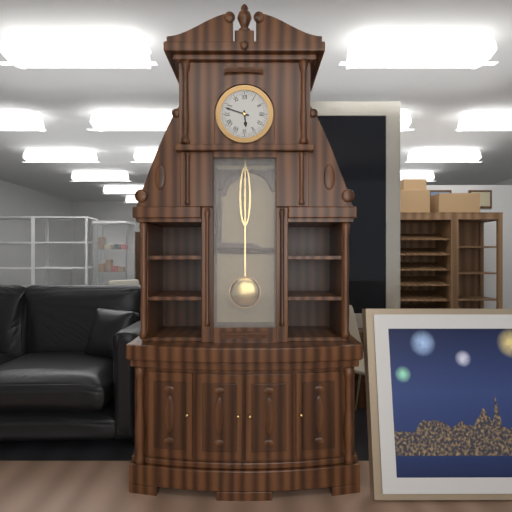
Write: 5 h 48 min
